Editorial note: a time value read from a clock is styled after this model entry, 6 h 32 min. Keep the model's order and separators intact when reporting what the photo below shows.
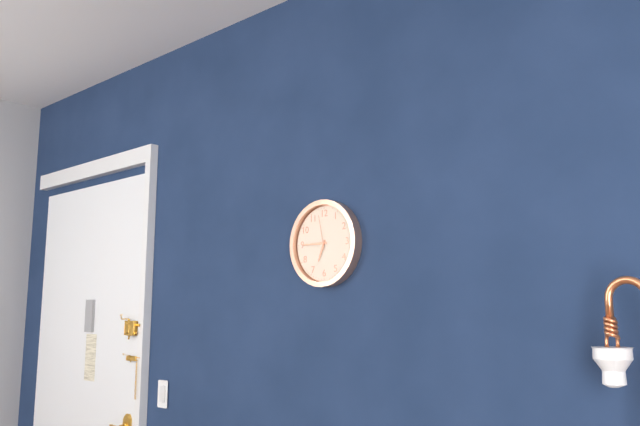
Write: 6 h 45 min
